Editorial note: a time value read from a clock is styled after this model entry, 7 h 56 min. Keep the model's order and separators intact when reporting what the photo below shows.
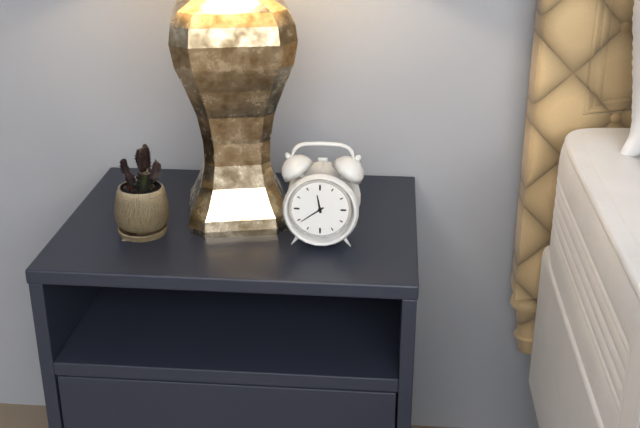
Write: 11 h 39 min
